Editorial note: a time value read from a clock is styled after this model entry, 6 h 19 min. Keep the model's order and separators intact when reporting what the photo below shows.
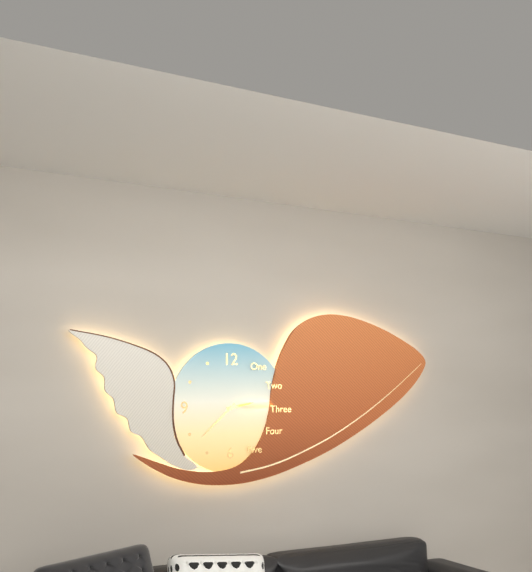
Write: 2 h 38 min
